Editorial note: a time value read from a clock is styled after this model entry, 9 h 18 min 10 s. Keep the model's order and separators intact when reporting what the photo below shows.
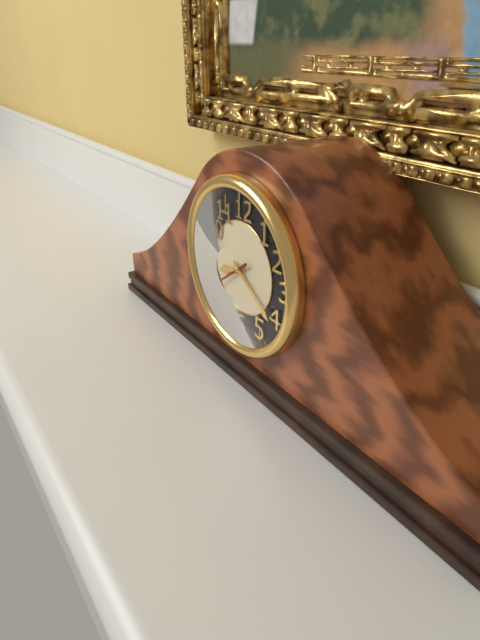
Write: 8 h 21 min 39 s
